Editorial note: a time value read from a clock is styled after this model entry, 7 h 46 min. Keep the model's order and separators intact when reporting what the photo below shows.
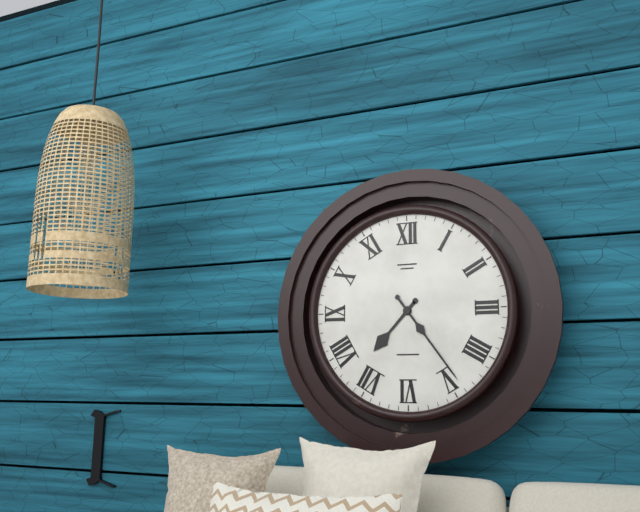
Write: 7 h 24 min
